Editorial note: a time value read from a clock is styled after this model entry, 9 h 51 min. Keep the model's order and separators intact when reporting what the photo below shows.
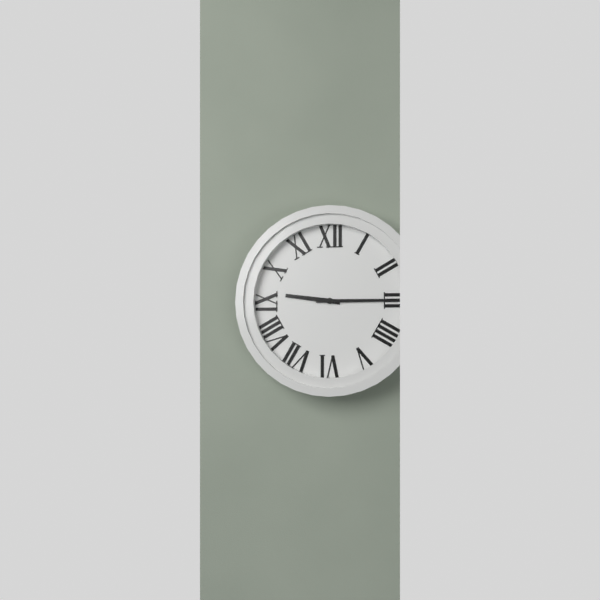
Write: 9 h 15 min
